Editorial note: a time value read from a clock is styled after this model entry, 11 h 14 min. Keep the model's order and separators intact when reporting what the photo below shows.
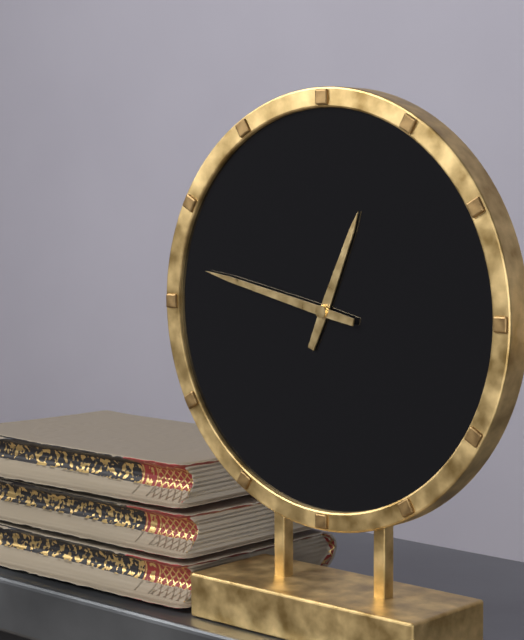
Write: 12 h 47 min
